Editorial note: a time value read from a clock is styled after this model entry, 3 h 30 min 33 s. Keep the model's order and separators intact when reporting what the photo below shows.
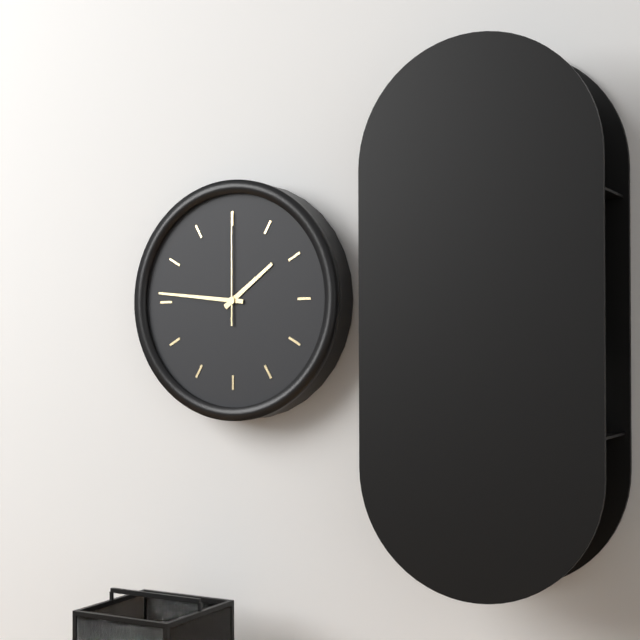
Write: 1 h 46 min 00 s
